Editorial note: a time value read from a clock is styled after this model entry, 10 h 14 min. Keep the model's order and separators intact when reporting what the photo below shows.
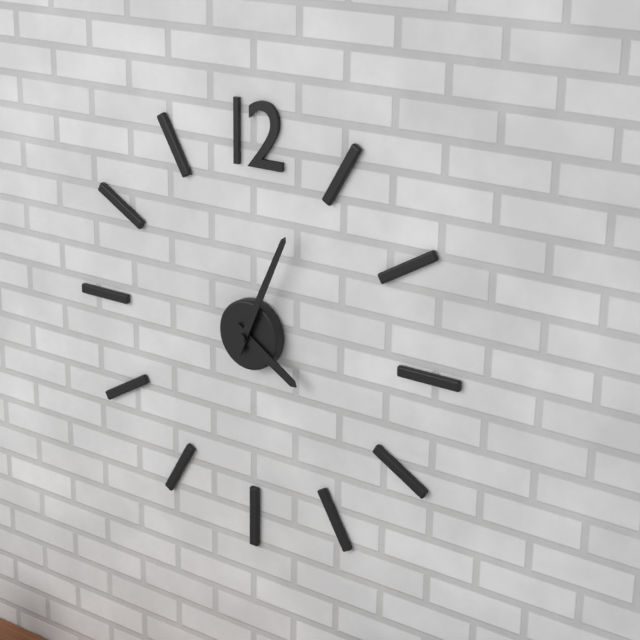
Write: 4 h 04 min
